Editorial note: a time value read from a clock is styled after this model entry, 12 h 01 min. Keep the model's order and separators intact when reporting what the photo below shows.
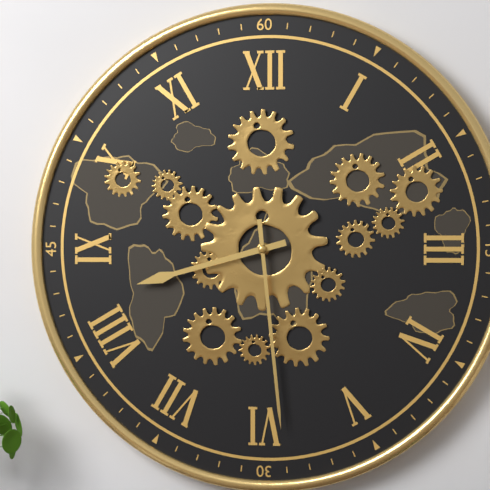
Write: 8 h 29 min
